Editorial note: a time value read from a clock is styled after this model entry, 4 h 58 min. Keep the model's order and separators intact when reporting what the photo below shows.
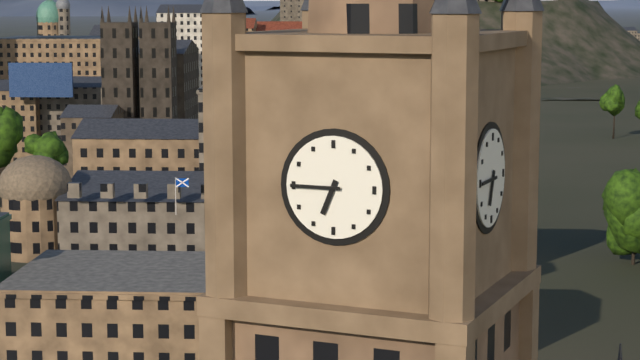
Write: 6 h 45 min
